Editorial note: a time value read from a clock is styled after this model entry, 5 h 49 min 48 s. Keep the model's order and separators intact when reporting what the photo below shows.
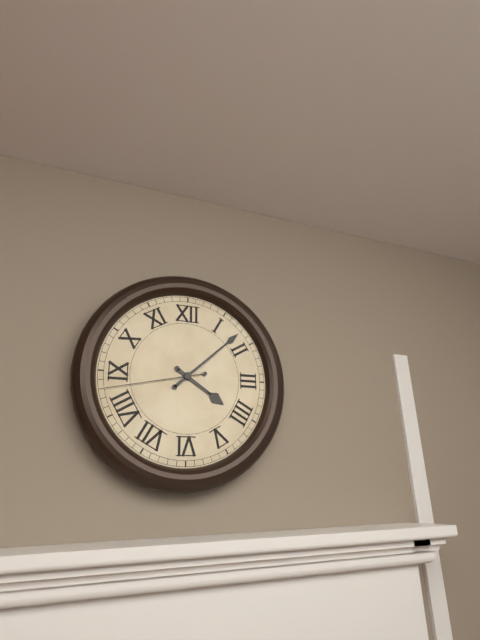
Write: 4 h 08 min 43 s
